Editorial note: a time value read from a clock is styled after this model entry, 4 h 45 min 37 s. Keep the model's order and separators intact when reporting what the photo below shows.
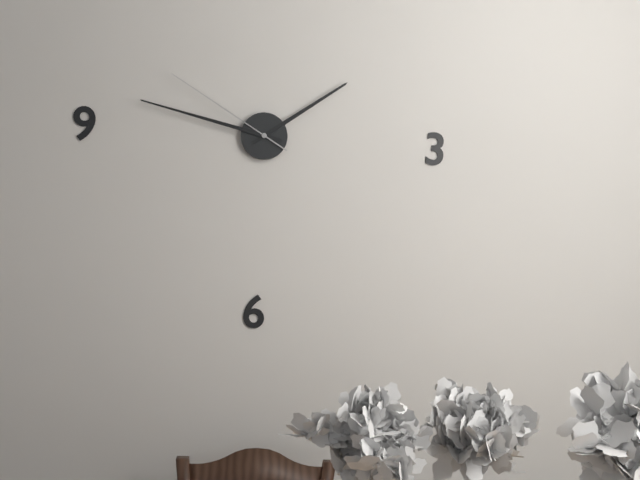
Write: 1 h 47 min 50 s
